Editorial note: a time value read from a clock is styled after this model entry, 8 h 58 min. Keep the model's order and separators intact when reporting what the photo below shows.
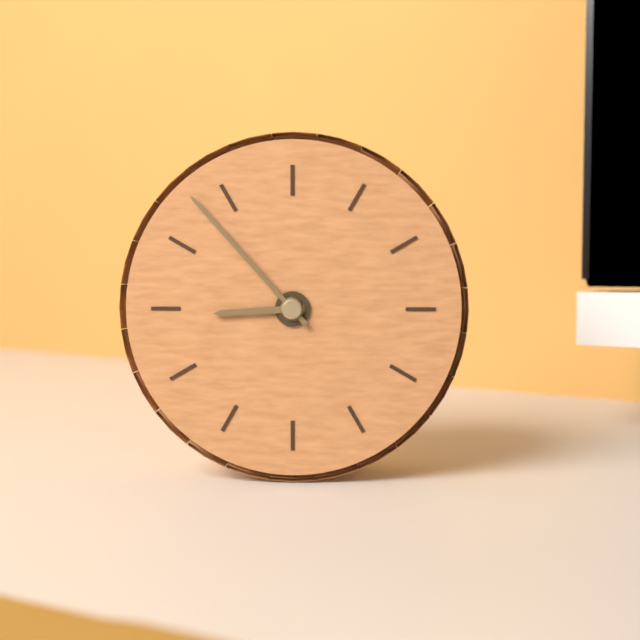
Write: 8 h 53 min
